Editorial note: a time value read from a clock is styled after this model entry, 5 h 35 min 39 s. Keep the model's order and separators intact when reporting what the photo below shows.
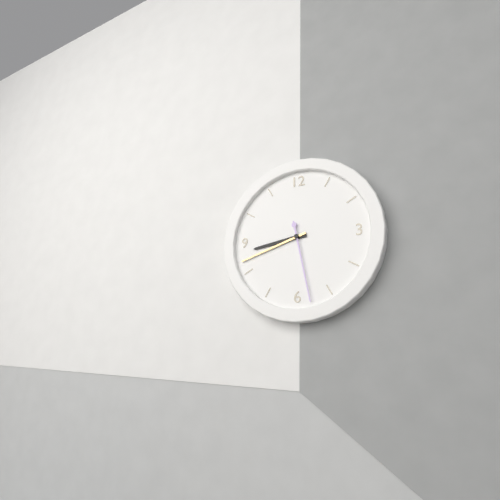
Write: 8 h 42 min 28 s
